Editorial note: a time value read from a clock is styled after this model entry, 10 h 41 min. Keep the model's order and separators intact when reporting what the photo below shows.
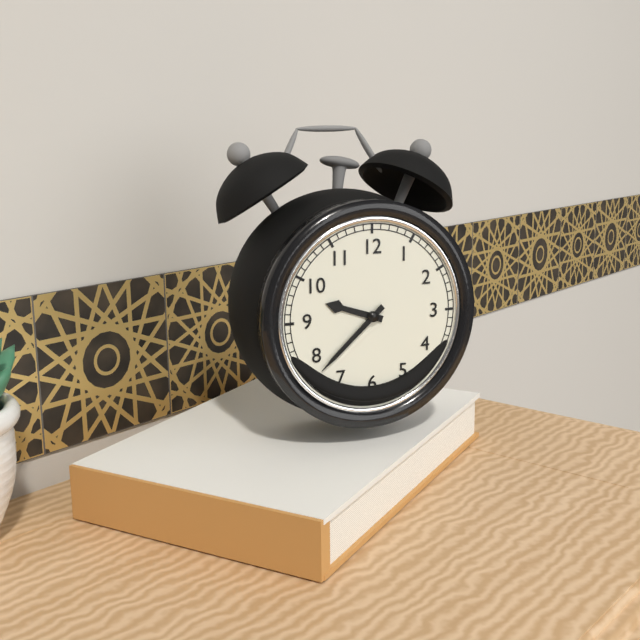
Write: 9 h 38 min
